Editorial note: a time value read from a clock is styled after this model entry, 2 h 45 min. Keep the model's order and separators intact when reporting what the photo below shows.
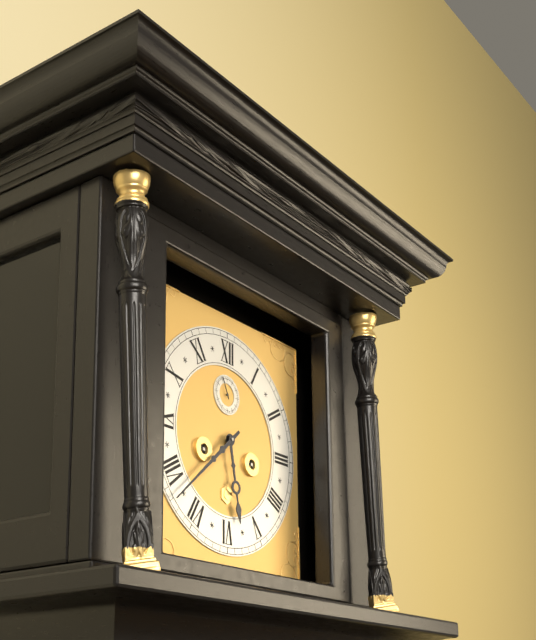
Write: 5 h 38 min
